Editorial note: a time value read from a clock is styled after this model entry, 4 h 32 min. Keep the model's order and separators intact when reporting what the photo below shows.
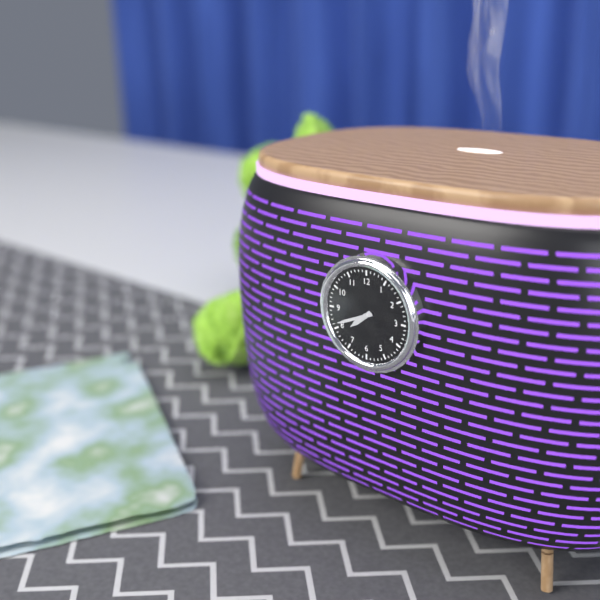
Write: 7 h 41 min
